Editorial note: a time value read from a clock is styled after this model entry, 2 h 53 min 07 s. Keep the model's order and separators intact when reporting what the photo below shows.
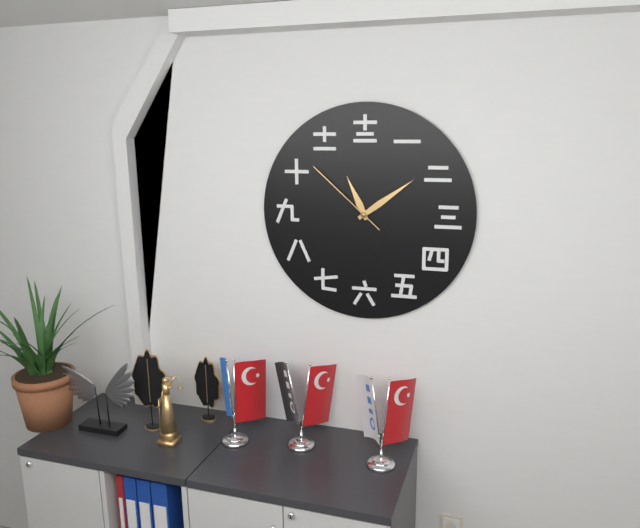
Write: 11 h 09 min 52 s
